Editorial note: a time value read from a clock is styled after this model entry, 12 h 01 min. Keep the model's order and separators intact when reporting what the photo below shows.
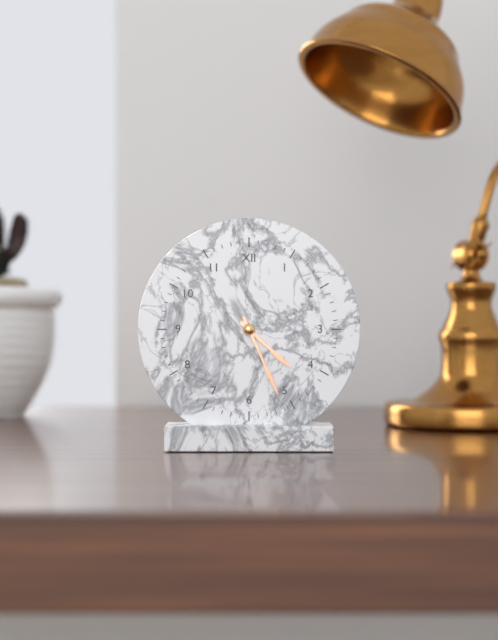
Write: 4 h 26 min
